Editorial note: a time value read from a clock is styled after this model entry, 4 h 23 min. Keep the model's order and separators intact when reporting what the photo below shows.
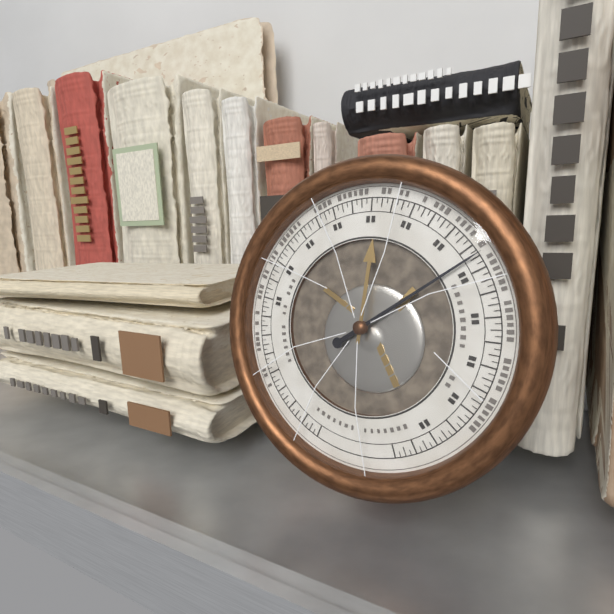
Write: 12 h 09 min
